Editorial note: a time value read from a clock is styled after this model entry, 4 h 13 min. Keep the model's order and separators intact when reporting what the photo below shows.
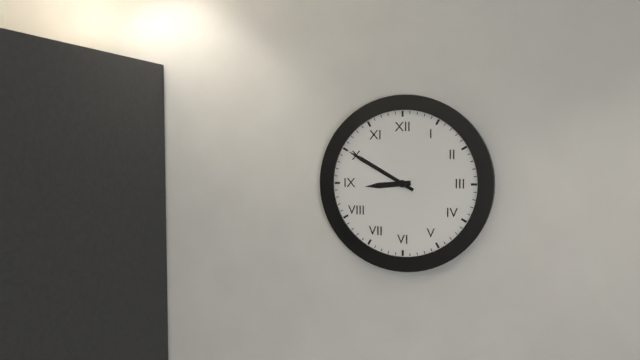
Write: 8 h 50 min
